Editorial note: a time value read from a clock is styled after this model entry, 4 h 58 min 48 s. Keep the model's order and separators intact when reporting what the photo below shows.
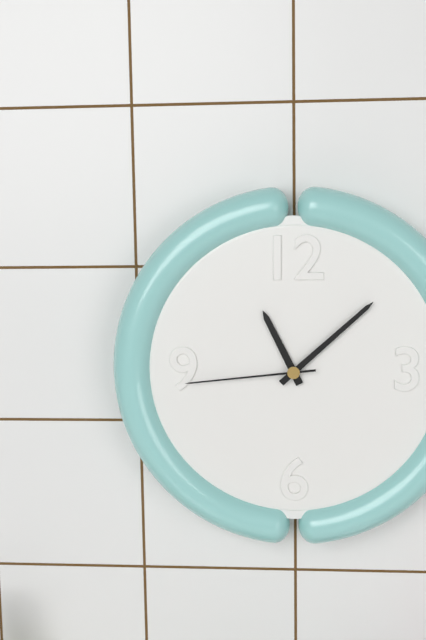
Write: 11 h 08 min 44 s
